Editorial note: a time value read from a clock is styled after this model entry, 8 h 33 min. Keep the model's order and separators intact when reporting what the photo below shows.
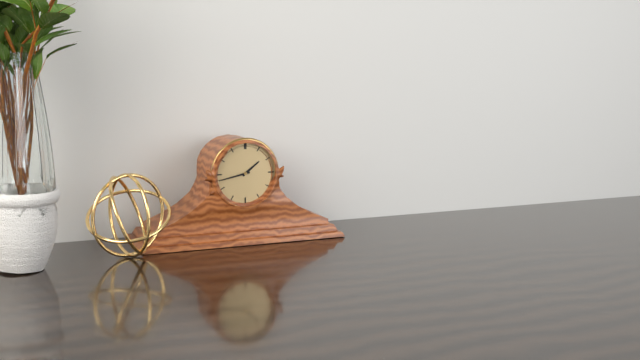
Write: 1 h 43 min
